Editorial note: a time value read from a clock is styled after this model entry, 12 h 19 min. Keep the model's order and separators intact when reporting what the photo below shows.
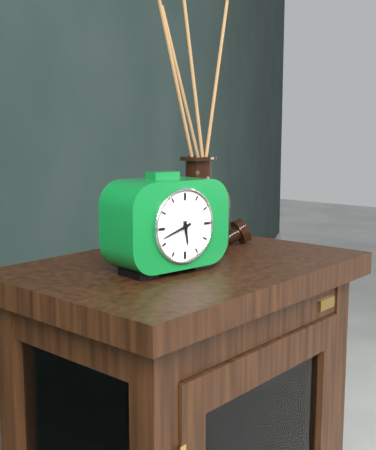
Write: 5 h 42 min
